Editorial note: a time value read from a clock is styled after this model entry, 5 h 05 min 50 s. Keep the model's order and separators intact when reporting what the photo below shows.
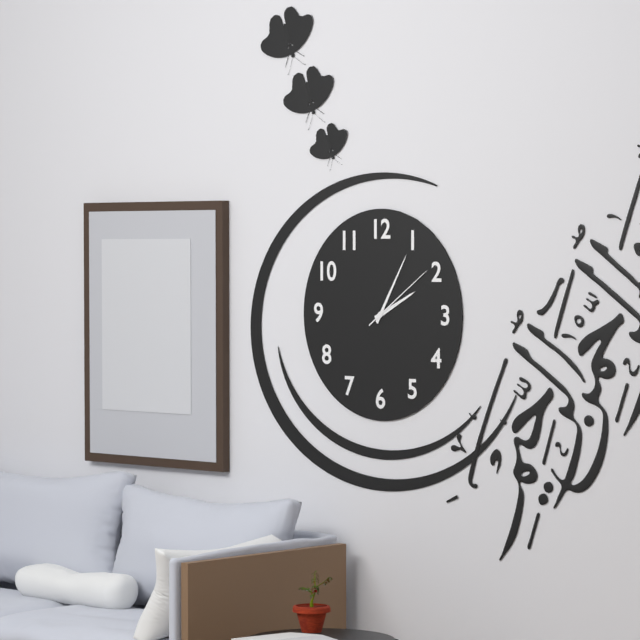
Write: 2 h 05 min 09 s
